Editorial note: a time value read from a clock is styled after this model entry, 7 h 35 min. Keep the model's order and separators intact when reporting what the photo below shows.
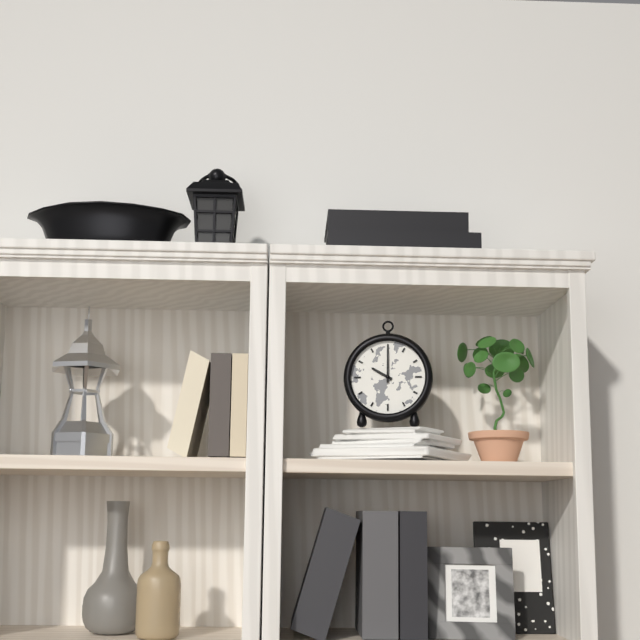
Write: 10 h 00 min
